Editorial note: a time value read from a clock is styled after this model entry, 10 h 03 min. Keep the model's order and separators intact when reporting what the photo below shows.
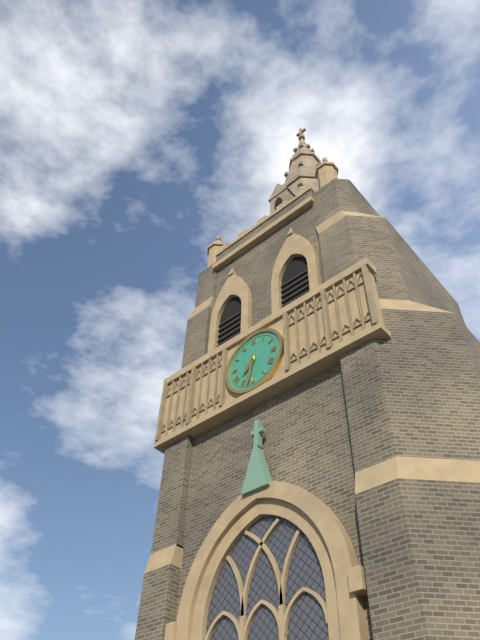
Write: 7 h 32 min
